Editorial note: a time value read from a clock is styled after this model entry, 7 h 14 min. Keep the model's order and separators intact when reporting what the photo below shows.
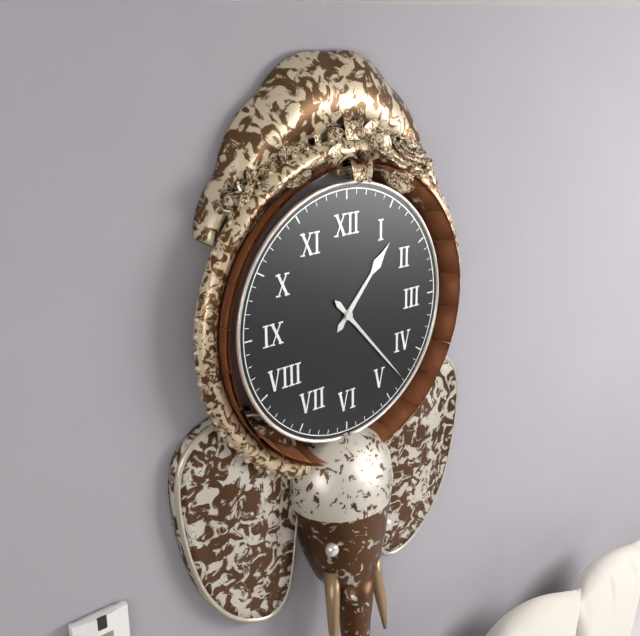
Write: 1 h 23 min
